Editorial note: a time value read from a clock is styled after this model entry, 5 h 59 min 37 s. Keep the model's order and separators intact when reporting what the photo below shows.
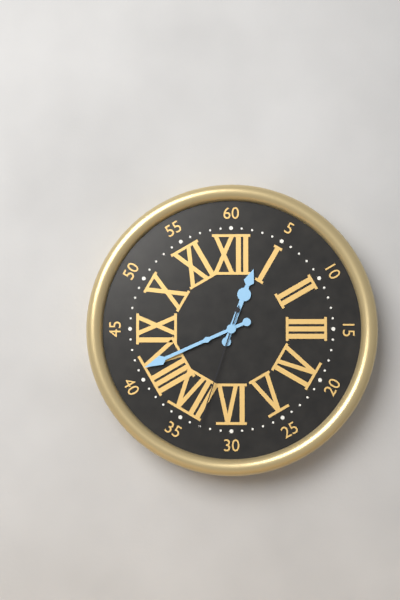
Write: 12 h 41 min 33 s
